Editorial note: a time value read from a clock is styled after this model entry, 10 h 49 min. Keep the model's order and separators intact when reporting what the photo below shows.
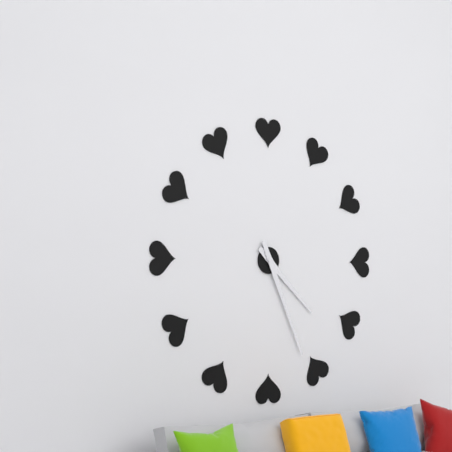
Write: 4 h 26 min
